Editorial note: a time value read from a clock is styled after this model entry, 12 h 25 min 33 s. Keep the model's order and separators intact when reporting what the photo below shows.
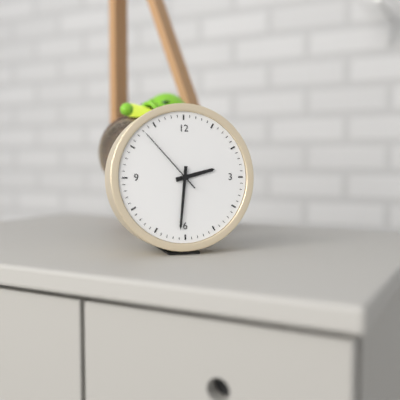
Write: 2 h 31 min 53 s
